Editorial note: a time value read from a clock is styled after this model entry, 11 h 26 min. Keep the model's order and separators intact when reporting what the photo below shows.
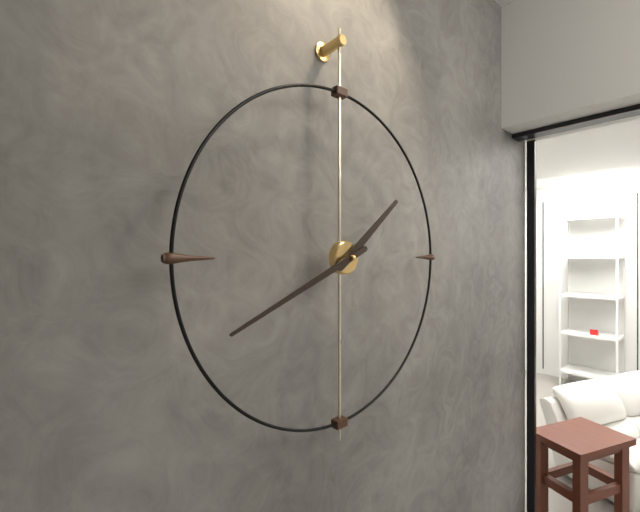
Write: 1 h 41 min
